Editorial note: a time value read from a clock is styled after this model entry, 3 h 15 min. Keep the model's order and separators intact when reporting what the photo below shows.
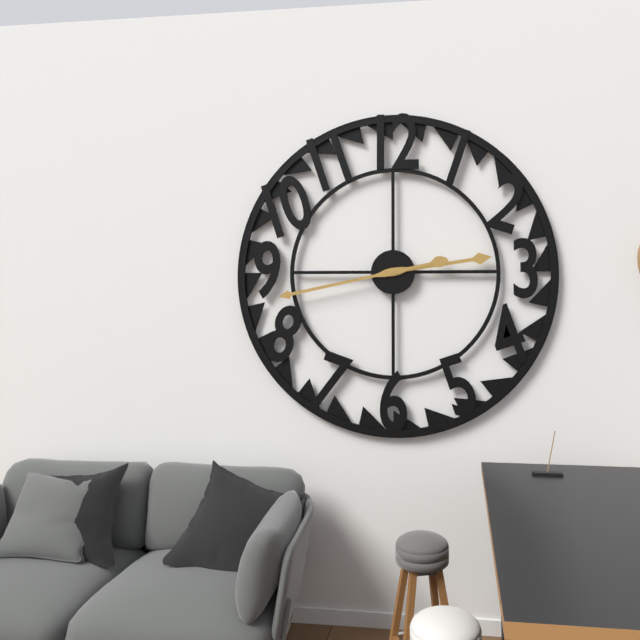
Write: 2 h 43 min
